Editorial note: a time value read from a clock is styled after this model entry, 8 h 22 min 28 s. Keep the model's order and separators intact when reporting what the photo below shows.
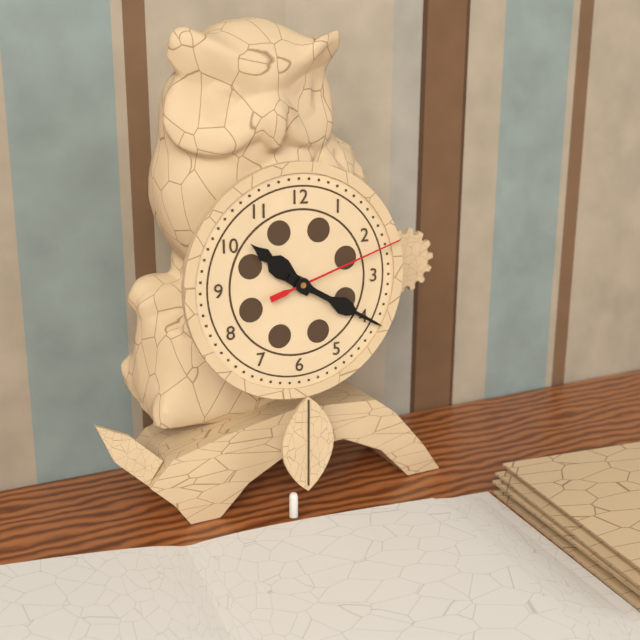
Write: 10 h 20 min 12 s
